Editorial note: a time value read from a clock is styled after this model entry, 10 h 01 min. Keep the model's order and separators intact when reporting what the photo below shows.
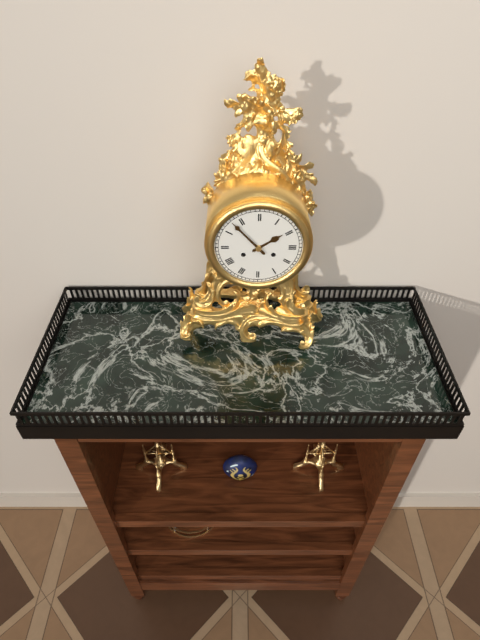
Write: 1 h 53 min
